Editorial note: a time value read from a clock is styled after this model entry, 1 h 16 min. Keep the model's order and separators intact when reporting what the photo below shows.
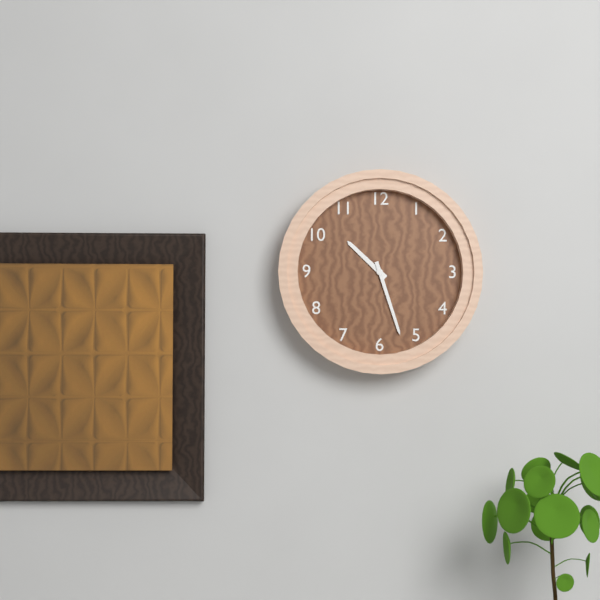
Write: 10 h 27 min
